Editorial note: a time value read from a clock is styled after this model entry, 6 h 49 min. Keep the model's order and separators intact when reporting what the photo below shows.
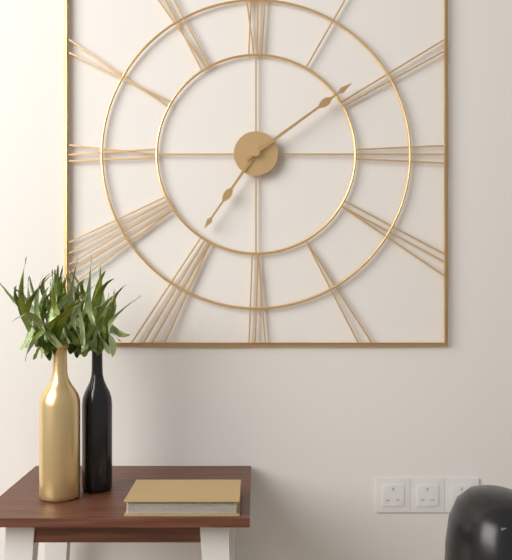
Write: 7 h 09 min
